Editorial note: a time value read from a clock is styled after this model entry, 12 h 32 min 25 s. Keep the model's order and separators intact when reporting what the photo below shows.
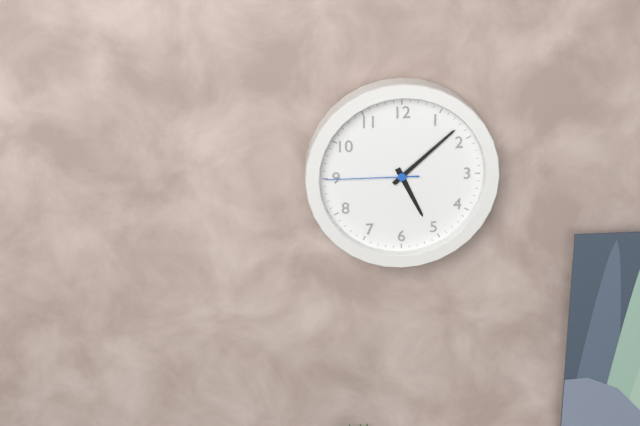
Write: 5 h 08 min 45 s
